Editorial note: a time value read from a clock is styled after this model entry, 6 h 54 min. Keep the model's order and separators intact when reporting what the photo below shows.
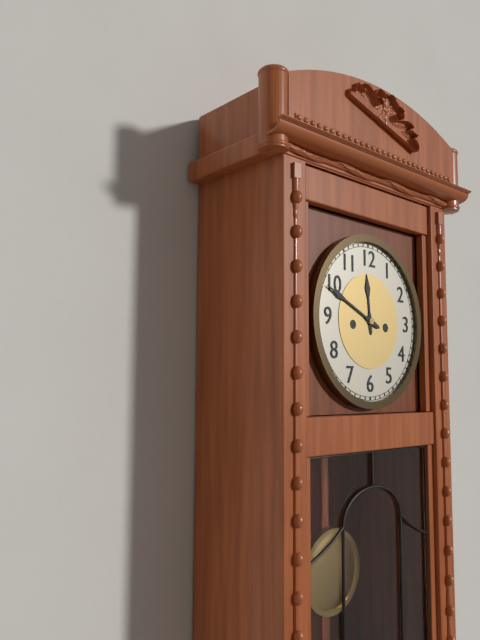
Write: 11 h 49 min
